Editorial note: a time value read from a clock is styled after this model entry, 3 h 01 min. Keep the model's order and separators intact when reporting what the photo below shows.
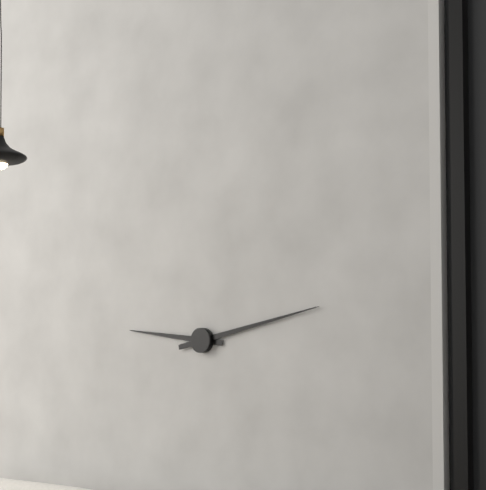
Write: 9 h 13 min
